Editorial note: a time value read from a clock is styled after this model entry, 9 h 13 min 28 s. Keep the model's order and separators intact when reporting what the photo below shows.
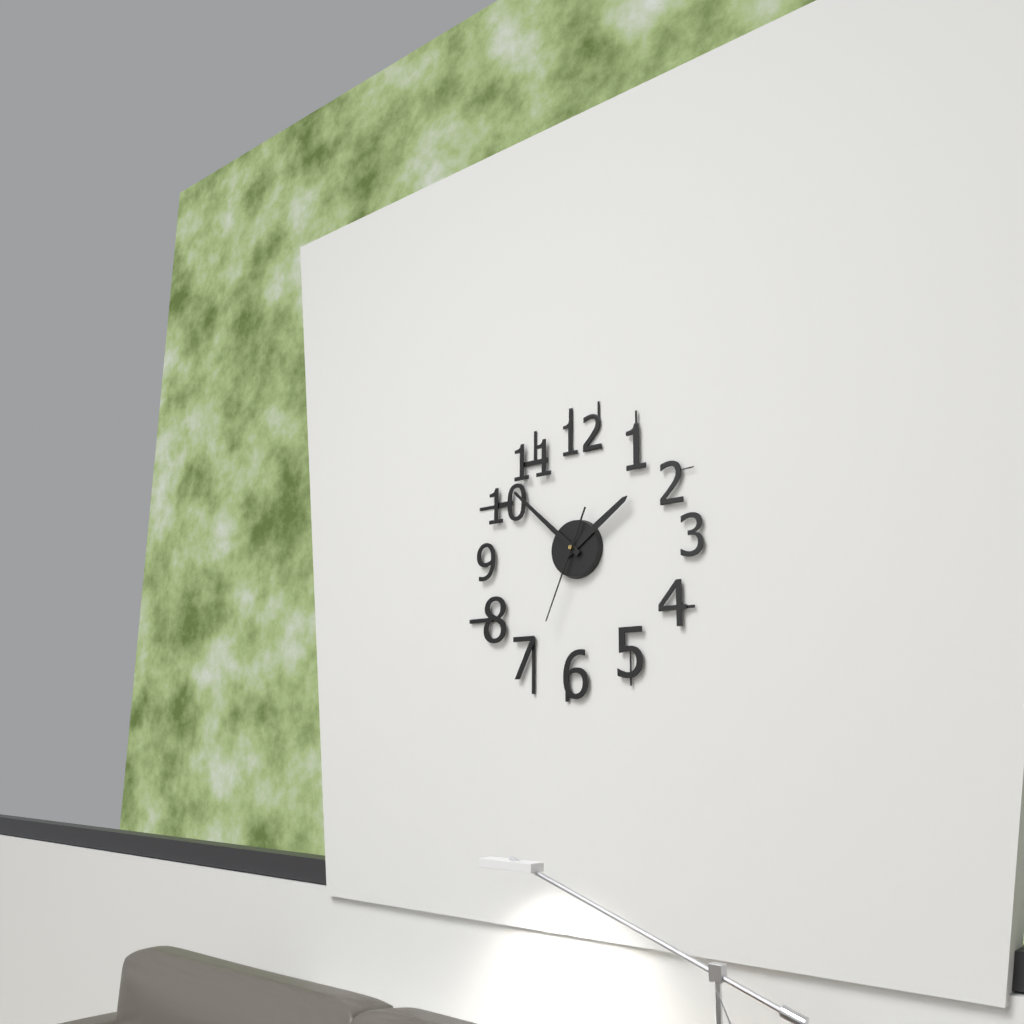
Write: 1 h 52 min 34 s
